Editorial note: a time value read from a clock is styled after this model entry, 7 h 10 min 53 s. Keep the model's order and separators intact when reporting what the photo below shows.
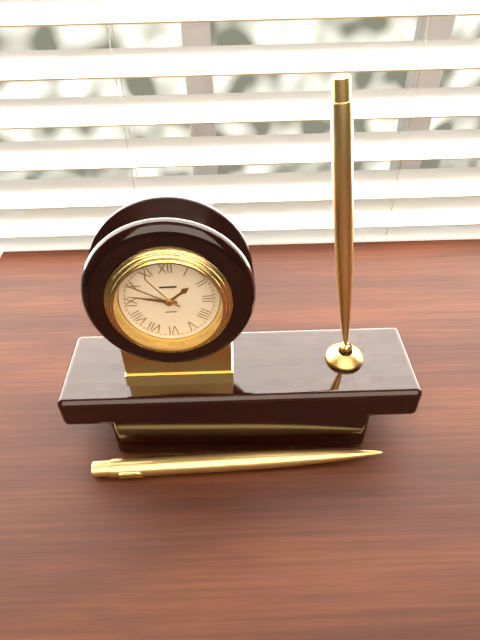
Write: 1 h 47 min 50 s
